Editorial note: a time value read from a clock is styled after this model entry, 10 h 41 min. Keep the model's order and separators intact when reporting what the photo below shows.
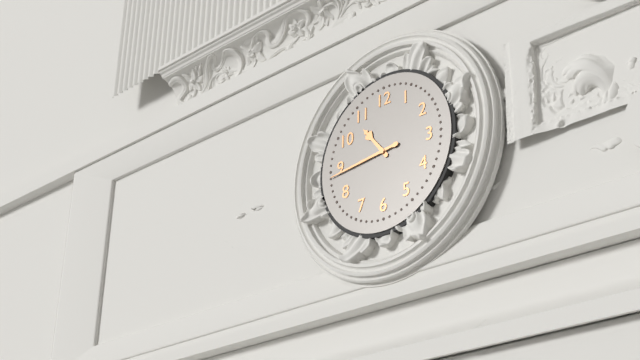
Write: 10 h 44 min
